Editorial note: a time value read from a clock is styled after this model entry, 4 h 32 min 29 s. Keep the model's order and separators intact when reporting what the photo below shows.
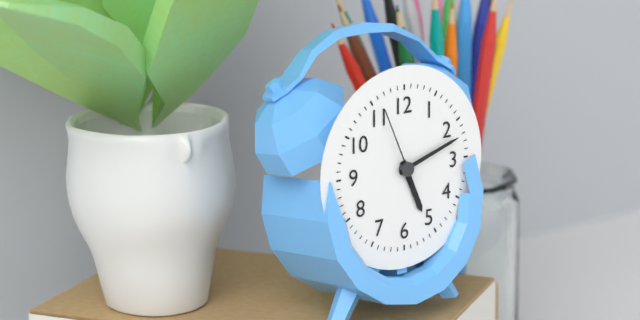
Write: 5 h 12 min 56 s
